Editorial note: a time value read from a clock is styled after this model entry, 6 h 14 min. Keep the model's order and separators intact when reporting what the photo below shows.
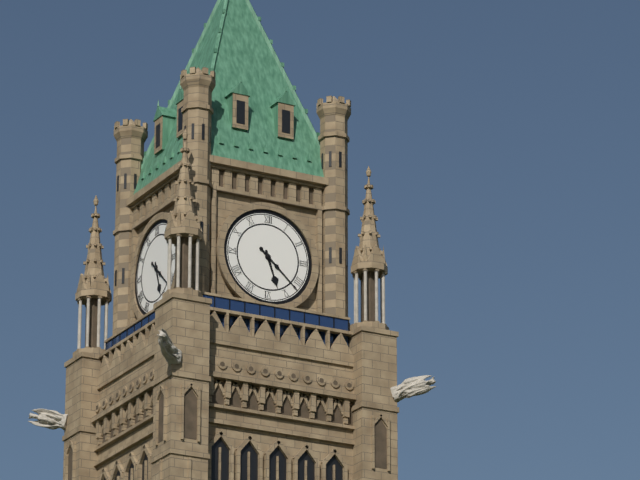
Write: 5 h 22 min
